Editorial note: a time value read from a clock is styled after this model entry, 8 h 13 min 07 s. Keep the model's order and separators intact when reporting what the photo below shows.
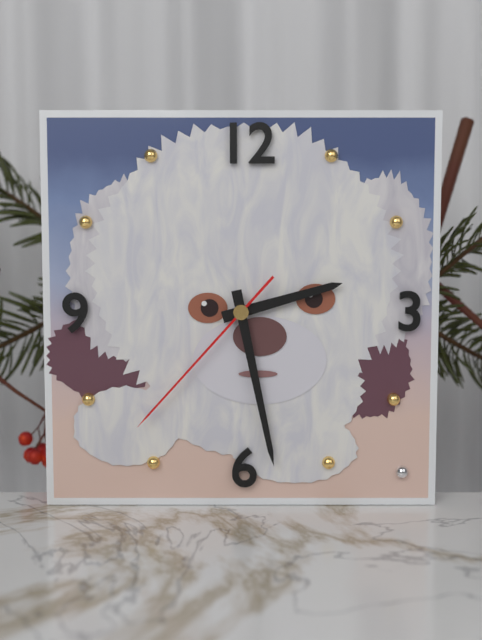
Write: 2 h 28 min 37 s
